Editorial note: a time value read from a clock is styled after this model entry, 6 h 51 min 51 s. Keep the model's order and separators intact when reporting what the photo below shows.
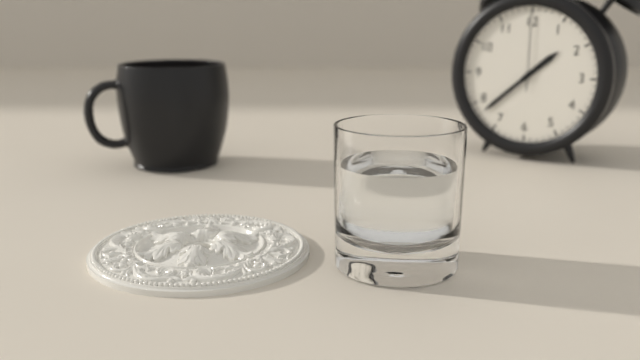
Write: 1 h 38 min 00 s
